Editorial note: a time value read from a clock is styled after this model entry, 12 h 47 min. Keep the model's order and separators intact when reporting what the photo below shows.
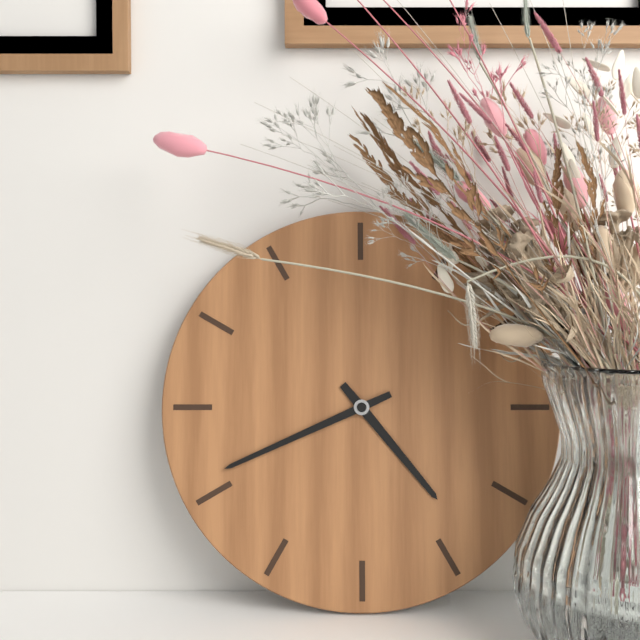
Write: 4 h 41 min
